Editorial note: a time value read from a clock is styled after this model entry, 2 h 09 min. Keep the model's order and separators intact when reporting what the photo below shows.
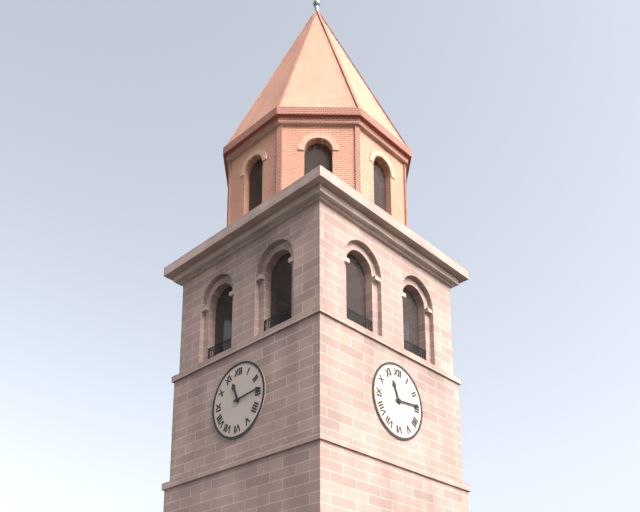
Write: 11 h 14 min
